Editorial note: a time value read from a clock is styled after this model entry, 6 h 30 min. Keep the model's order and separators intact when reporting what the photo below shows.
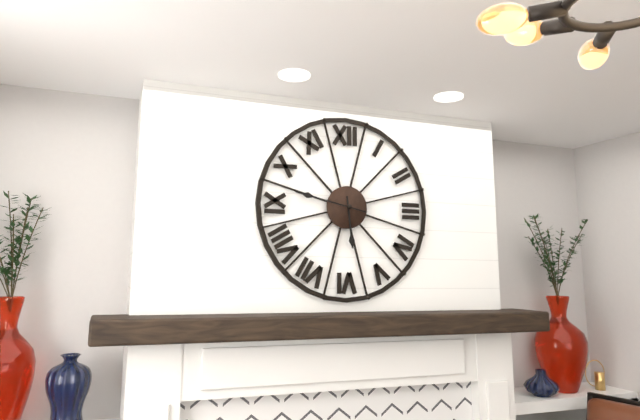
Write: 5 h 47 min
